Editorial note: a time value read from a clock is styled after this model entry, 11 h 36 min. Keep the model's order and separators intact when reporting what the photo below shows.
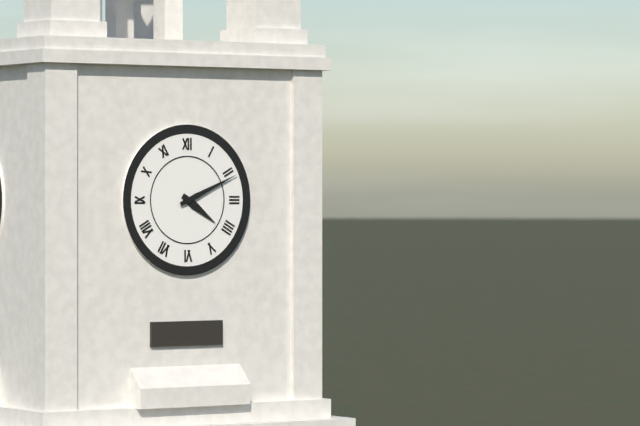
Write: 4 h 11 min
